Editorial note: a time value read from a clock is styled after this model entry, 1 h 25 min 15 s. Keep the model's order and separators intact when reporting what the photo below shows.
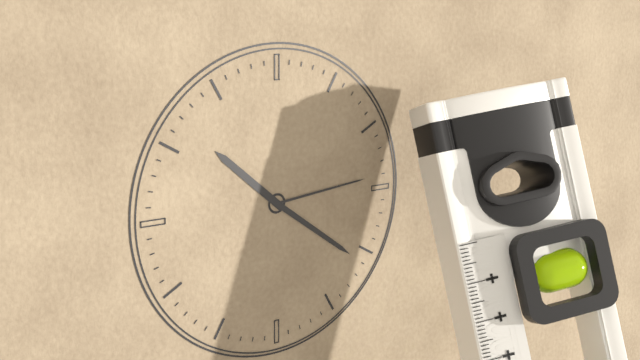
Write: 10 h 21 min 14 s
